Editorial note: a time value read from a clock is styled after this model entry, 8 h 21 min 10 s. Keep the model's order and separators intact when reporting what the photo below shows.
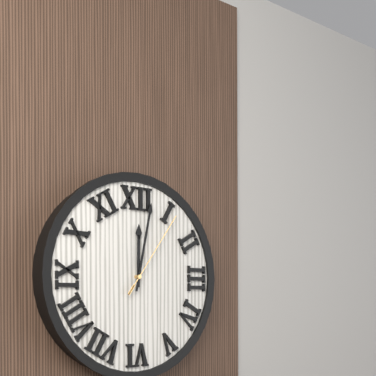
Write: 12 h 02 min 06 s
